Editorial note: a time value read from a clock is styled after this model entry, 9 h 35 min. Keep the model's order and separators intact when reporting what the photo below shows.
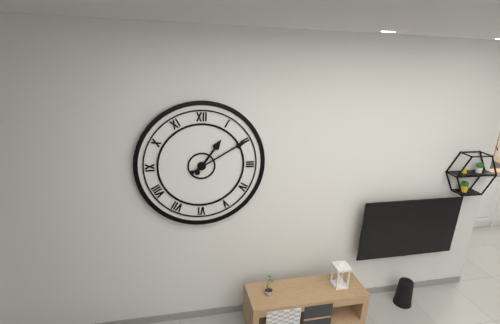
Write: 1 h 10 min
